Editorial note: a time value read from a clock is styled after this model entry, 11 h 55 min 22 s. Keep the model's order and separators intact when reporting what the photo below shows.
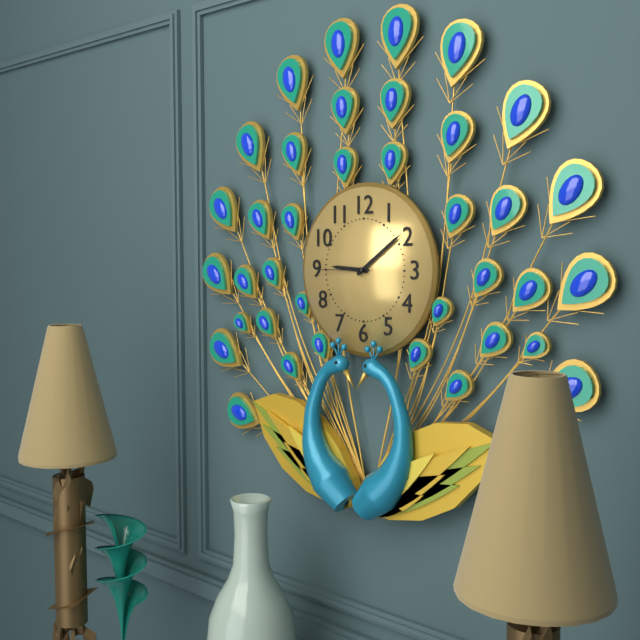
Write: 9 h 09 min 45 s
